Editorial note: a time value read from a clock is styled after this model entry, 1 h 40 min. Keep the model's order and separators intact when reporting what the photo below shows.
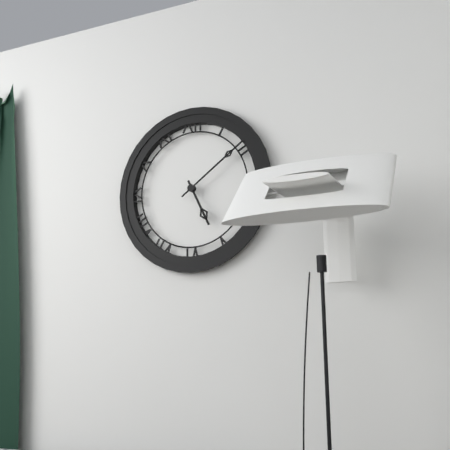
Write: 5 h 09 min
